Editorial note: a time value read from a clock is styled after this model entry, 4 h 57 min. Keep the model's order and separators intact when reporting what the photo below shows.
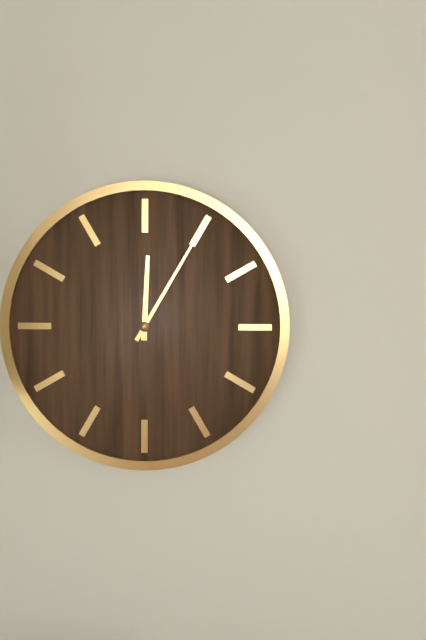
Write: 12 h 05 min
